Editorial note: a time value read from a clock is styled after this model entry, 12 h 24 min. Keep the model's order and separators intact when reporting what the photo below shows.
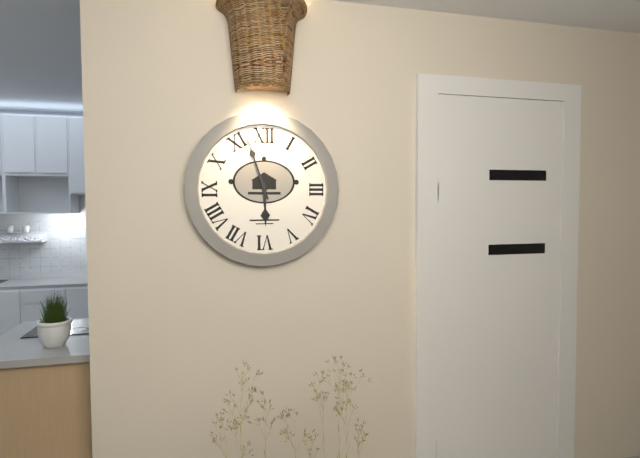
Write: 5 h 57 min
